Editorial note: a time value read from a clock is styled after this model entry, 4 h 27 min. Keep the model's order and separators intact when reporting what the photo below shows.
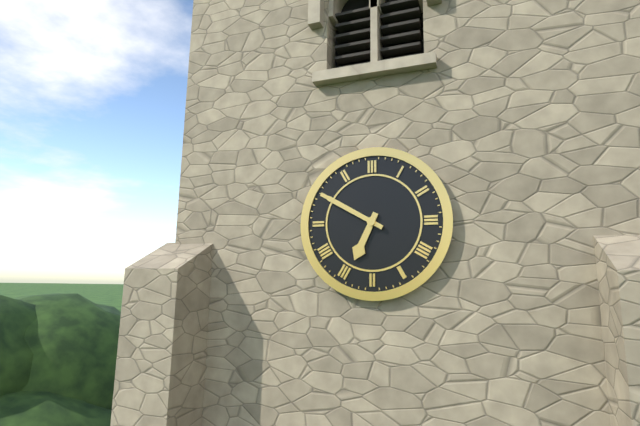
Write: 6 h 50 min
